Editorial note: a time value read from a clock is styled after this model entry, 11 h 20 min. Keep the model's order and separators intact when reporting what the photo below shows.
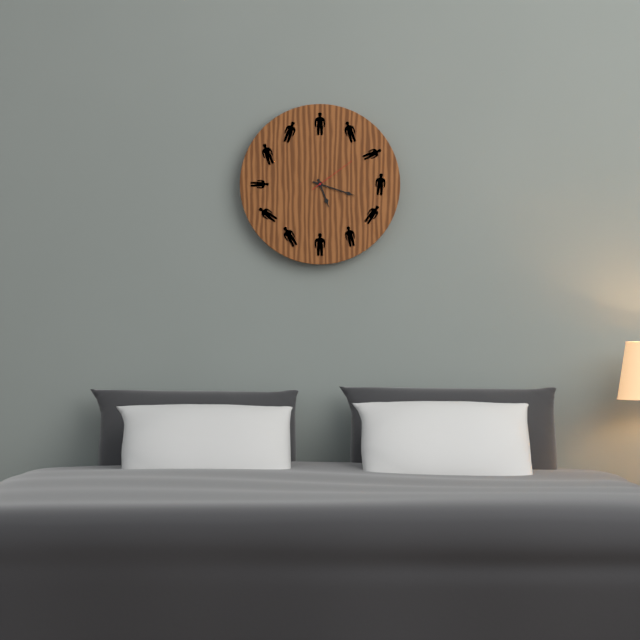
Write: 5 h 18 min
